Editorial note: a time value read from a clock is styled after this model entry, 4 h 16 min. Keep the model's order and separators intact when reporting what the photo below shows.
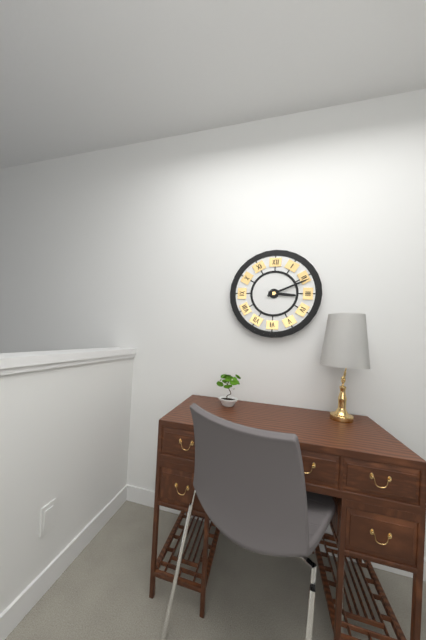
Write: 3 h 11 min
